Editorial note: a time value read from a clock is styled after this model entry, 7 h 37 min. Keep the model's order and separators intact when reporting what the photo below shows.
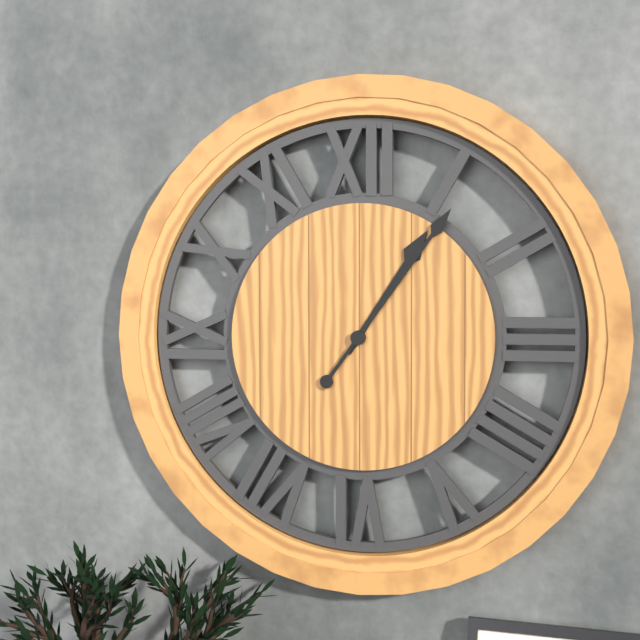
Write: 1 h 06 min
